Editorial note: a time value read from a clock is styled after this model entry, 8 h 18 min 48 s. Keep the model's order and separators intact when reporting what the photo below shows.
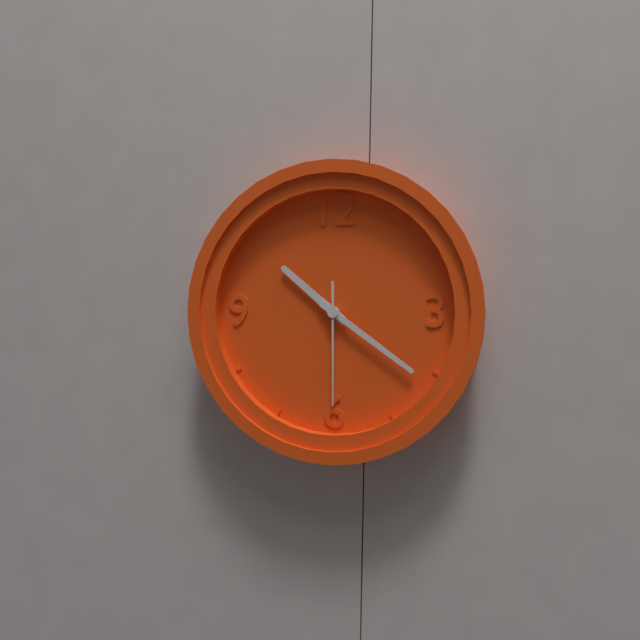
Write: 10 h 21 min 30 s
